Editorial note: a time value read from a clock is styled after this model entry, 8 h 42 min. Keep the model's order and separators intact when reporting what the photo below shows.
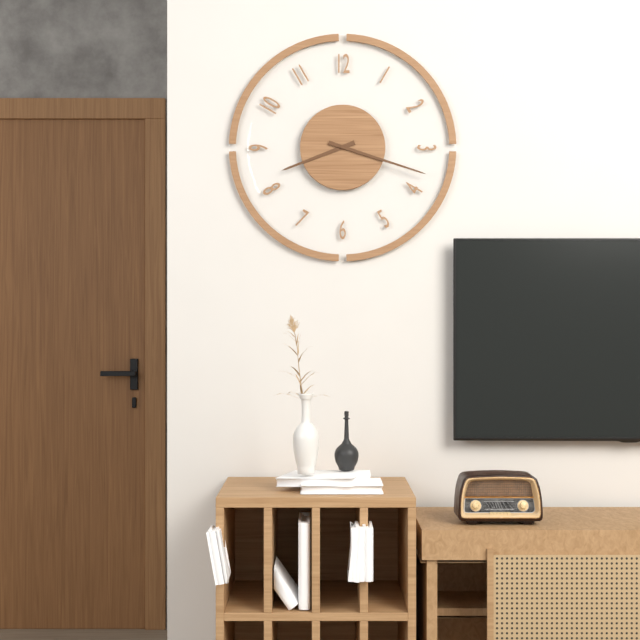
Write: 8 h 18 min
